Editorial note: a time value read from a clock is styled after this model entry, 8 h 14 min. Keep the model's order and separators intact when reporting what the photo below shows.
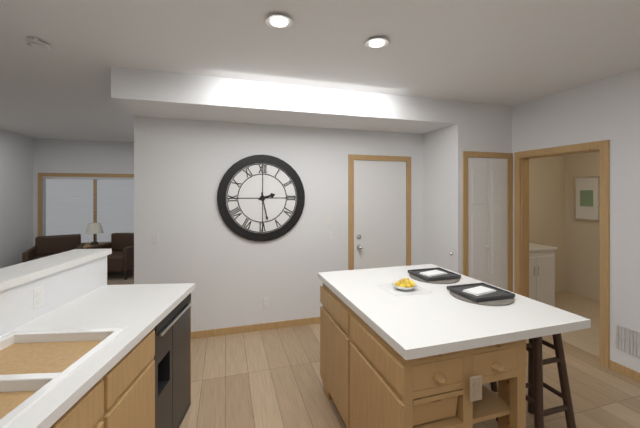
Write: 2 h 28 min
